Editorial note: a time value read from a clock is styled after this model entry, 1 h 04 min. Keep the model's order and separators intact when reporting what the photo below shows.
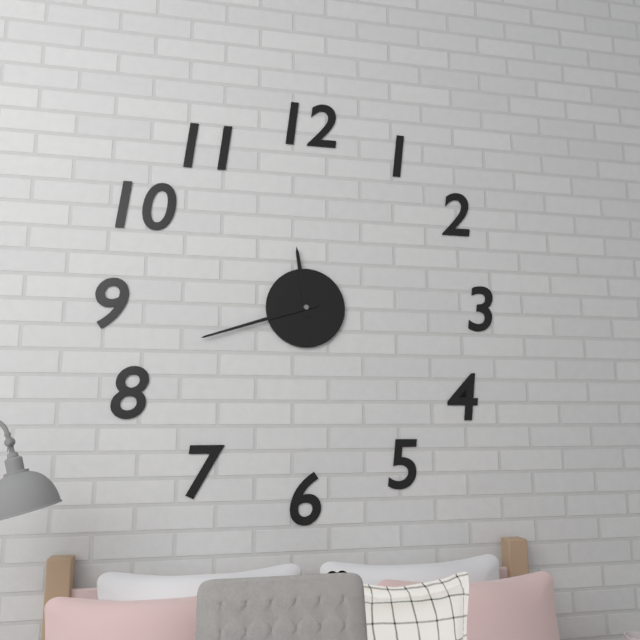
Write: 11 h 42 min
